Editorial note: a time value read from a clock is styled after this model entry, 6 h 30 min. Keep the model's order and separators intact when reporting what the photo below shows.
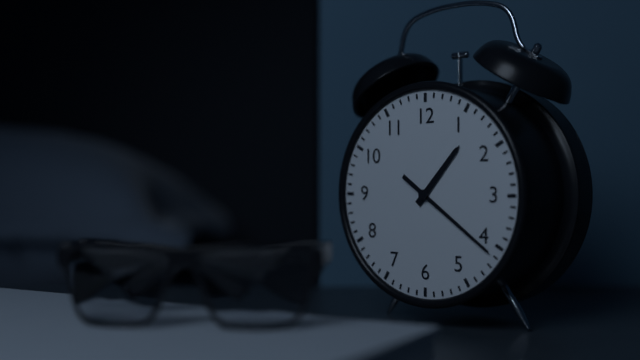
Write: 1 h 21 min
